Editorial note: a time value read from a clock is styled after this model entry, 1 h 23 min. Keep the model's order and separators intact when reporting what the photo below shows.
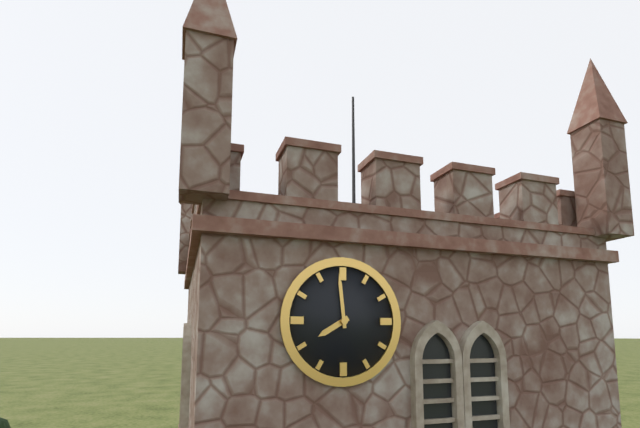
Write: 7 h 59 min
